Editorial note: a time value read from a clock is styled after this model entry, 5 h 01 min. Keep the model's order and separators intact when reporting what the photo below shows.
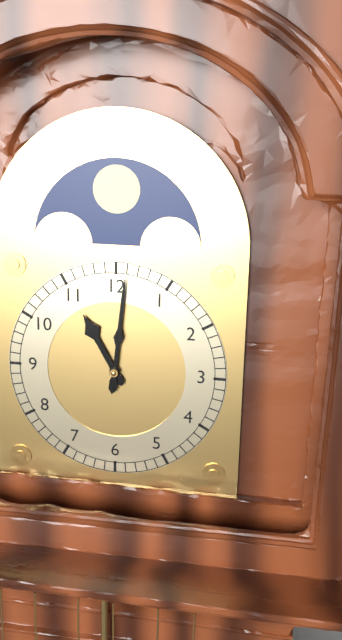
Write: 11 h 01 min
